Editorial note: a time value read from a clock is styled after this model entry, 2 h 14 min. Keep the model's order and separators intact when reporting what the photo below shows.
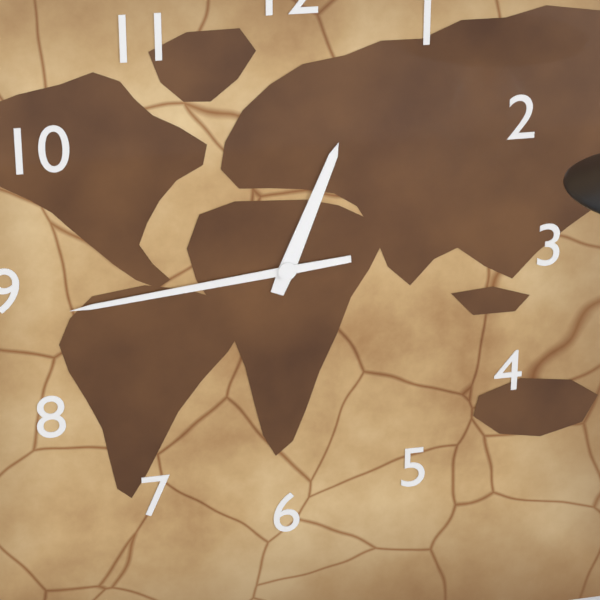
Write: 12 h 44 min
